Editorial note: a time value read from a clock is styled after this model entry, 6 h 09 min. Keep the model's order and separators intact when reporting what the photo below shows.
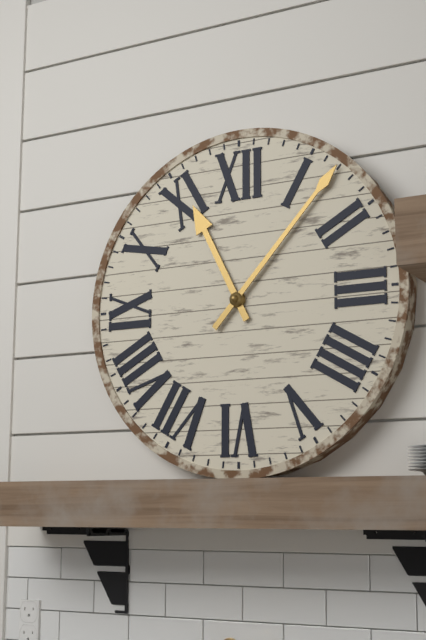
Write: 11 h 07 min
